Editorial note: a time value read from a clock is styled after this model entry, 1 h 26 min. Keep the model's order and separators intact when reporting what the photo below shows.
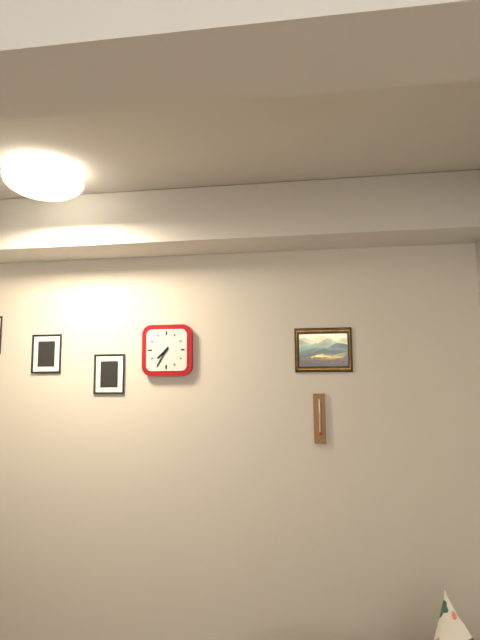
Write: 7 h 35 min
